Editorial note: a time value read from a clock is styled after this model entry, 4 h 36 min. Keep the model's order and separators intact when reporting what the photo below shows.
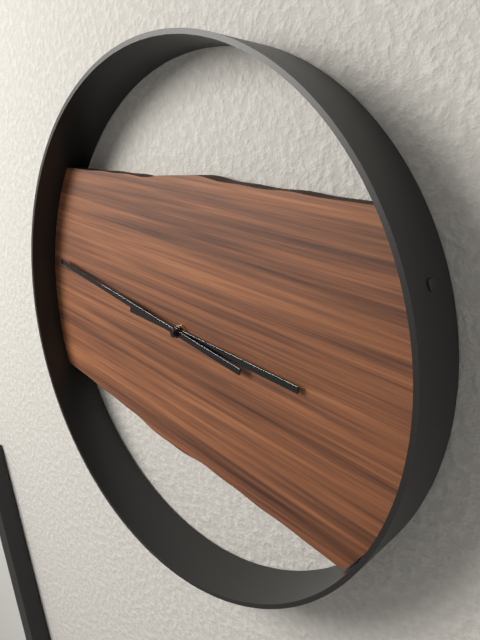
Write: 3 h 50 min
